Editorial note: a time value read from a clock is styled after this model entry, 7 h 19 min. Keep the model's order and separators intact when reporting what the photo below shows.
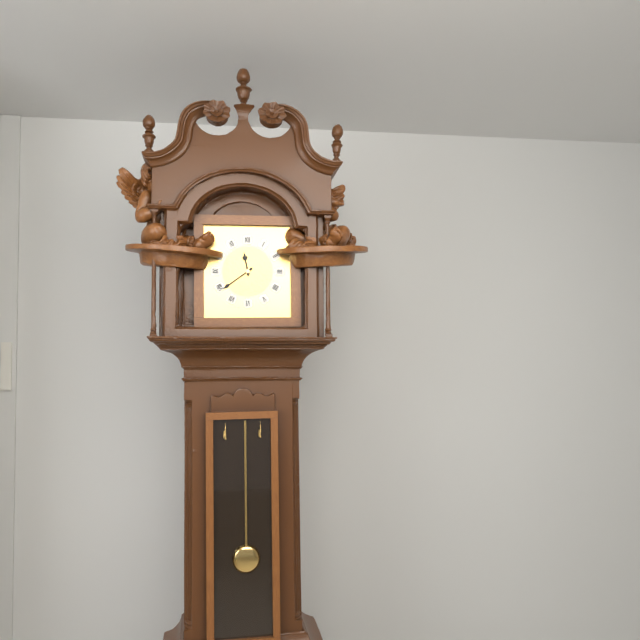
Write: 11 h 39 min
